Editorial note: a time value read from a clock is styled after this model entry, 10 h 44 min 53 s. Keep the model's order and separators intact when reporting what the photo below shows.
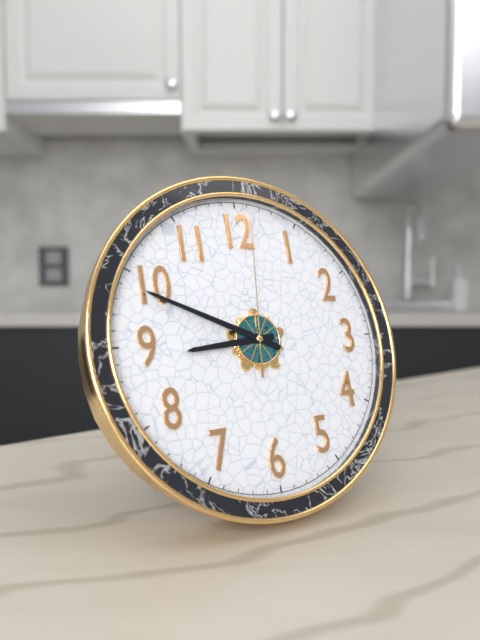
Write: 8 h 49 min 01 s
